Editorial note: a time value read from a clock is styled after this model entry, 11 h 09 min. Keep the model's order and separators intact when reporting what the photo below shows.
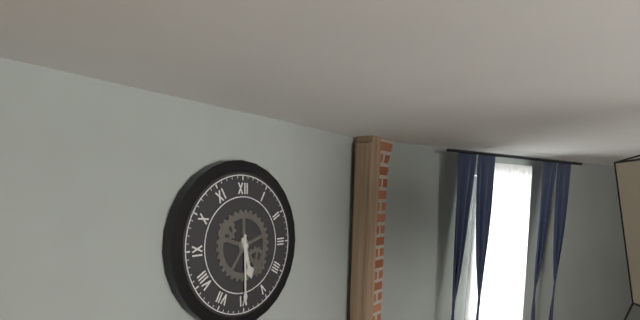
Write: 5 h 30 min
